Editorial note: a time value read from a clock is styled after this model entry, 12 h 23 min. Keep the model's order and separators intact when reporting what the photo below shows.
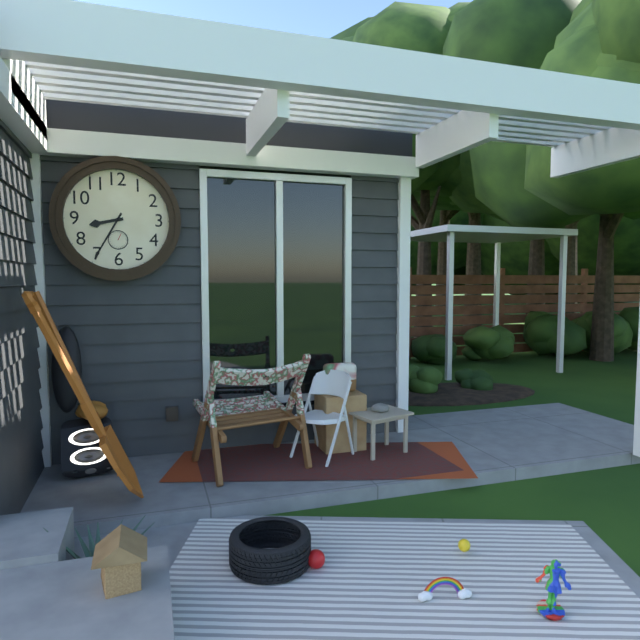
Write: 8 h 35 min
